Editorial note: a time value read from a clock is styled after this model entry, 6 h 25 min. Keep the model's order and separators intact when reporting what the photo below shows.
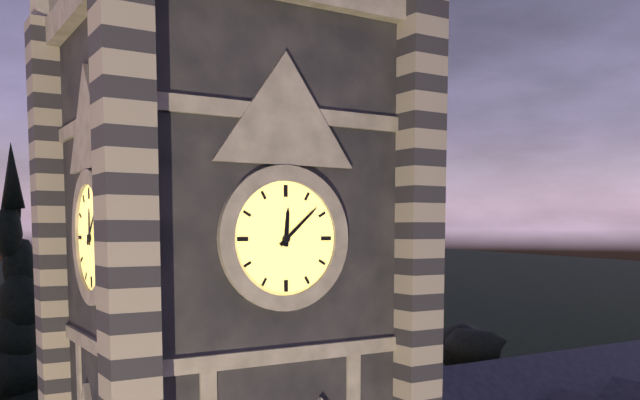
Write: 12 h 08 min
